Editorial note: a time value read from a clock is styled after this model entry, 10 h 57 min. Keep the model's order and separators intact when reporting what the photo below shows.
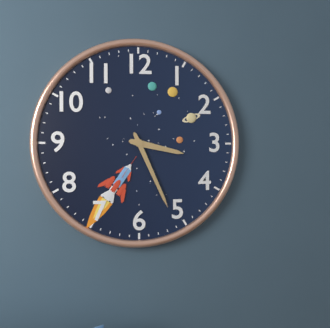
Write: 3 h 26 min
